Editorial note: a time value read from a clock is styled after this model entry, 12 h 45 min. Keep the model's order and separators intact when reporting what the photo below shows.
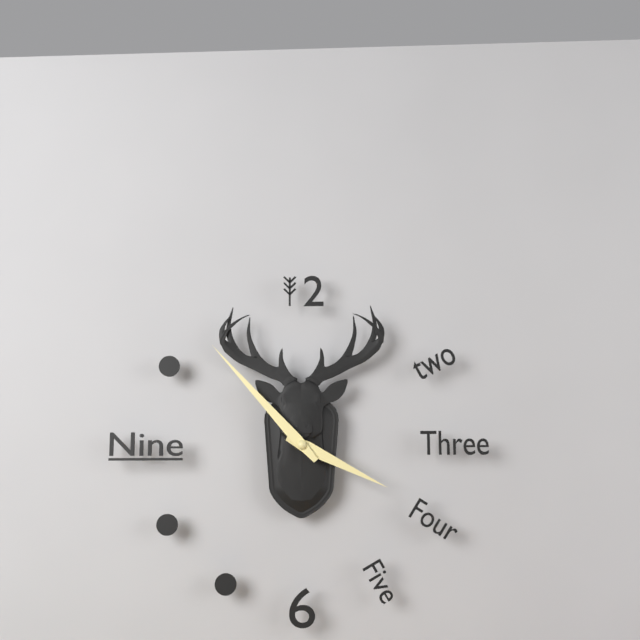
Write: 3 h 53 min
